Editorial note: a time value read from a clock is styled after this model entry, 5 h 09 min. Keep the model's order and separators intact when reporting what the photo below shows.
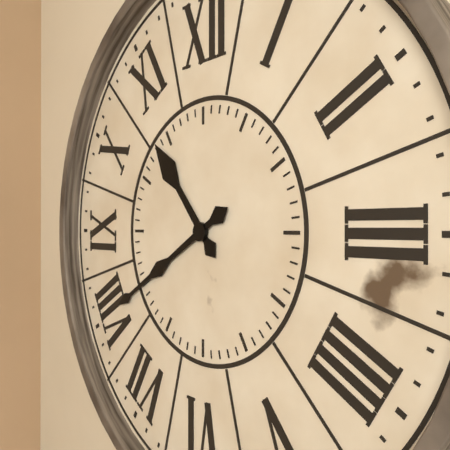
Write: 10 h 40 min
